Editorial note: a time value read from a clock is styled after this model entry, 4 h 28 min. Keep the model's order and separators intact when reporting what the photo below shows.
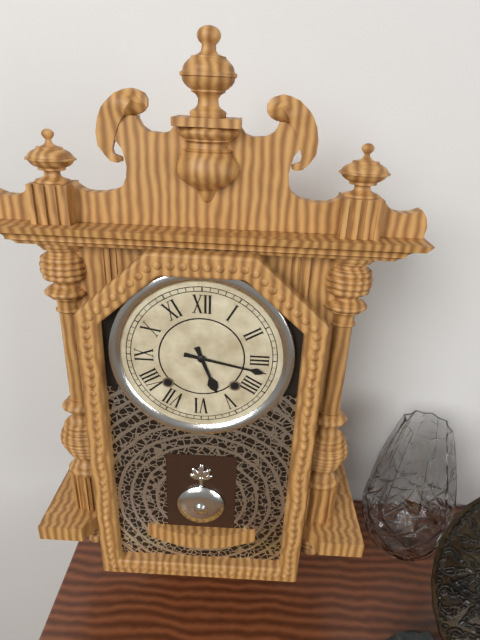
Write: 5 h 17 min
